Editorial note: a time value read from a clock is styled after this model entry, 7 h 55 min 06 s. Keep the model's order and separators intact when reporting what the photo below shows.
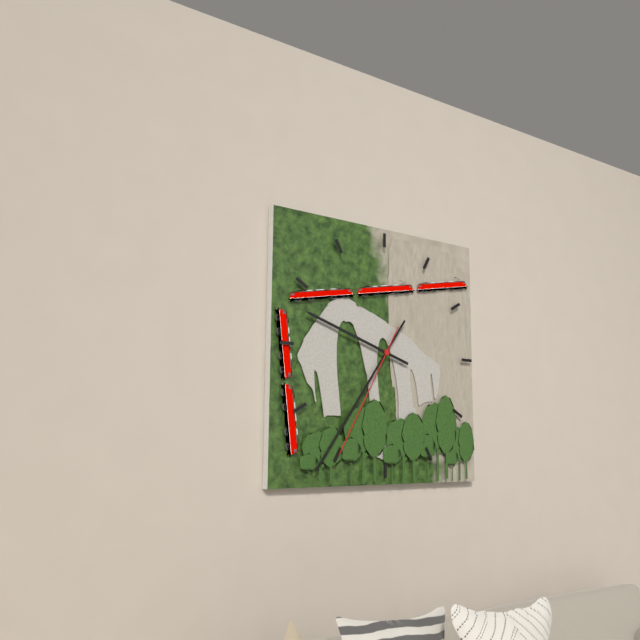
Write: 9 h 36 min 35 s
